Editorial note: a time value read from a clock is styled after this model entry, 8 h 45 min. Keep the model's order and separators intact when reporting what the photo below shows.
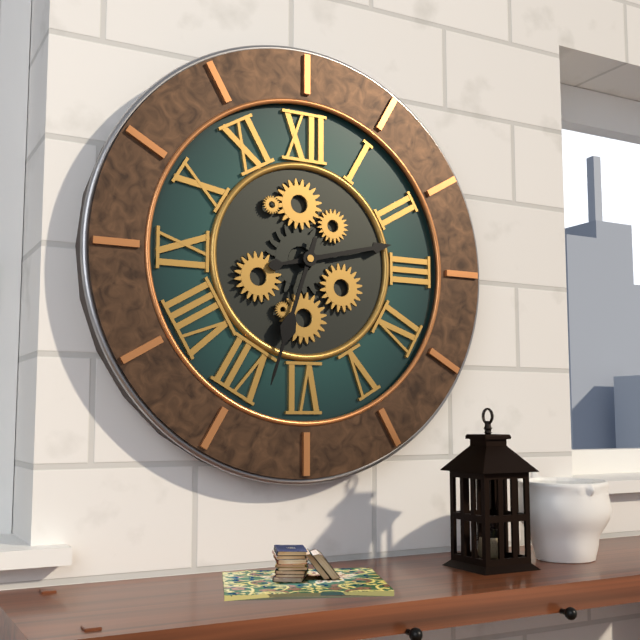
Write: 2 h 33 min
